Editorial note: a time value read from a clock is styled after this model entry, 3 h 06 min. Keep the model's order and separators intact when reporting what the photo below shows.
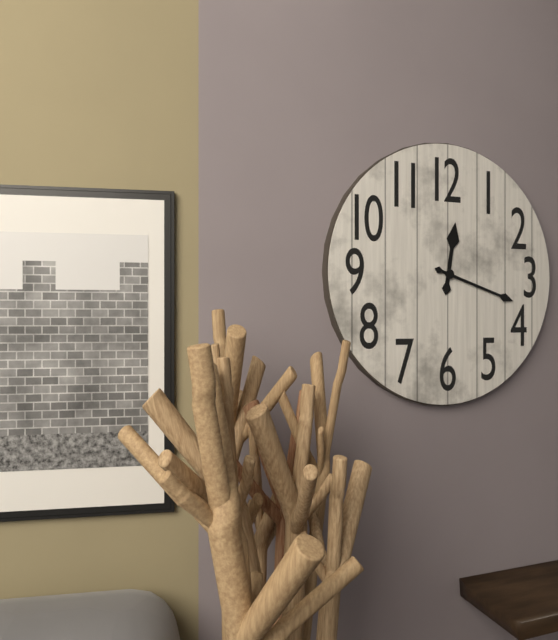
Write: 12 h 18 min
